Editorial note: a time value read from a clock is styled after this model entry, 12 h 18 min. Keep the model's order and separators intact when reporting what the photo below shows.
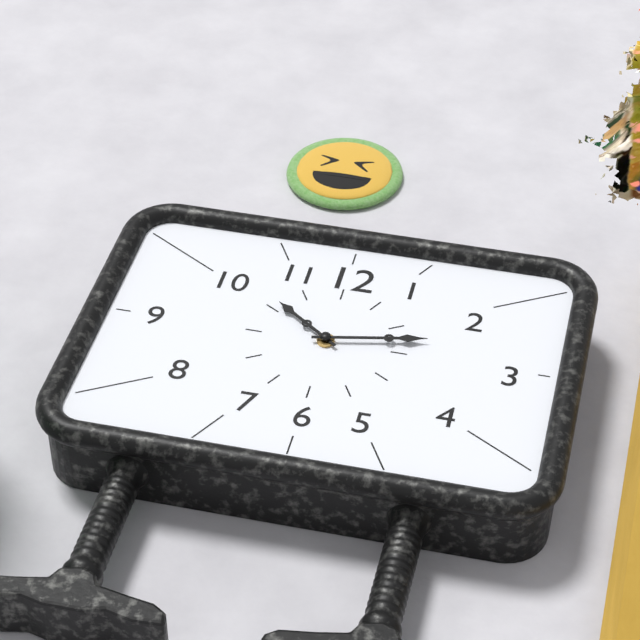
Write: 10 h 13 min
